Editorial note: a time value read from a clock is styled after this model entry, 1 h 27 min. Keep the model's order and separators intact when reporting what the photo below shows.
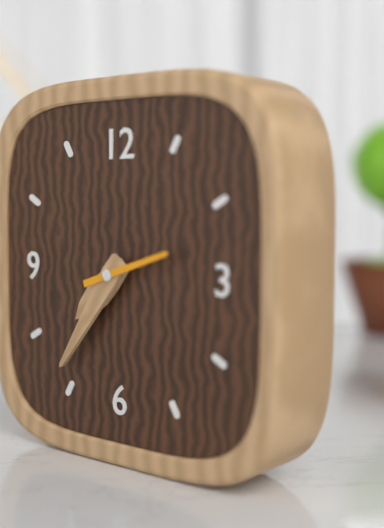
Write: 7 h 36 min
